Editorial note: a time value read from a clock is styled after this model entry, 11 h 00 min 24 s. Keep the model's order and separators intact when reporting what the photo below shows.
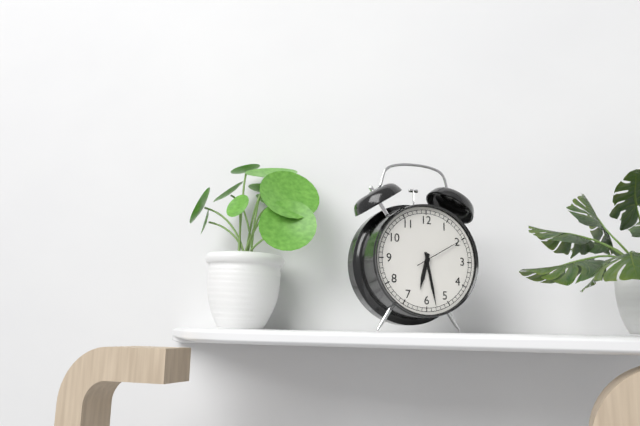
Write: 6 h 28 min 10 s
